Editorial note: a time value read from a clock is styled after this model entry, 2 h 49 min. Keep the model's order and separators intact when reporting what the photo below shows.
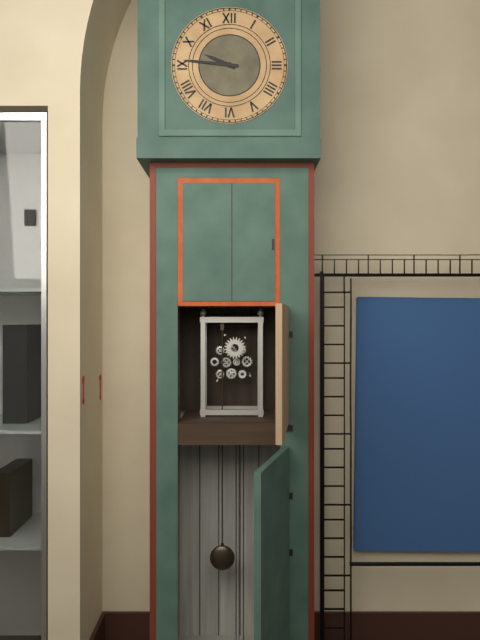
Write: 9 h 46 min
